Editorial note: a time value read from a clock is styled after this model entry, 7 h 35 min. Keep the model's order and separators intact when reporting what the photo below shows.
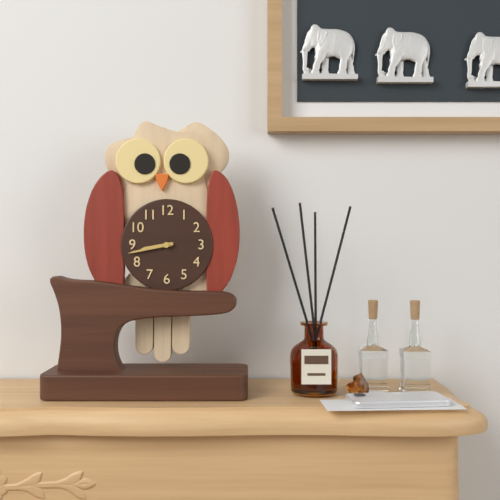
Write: 8 h 43 min
